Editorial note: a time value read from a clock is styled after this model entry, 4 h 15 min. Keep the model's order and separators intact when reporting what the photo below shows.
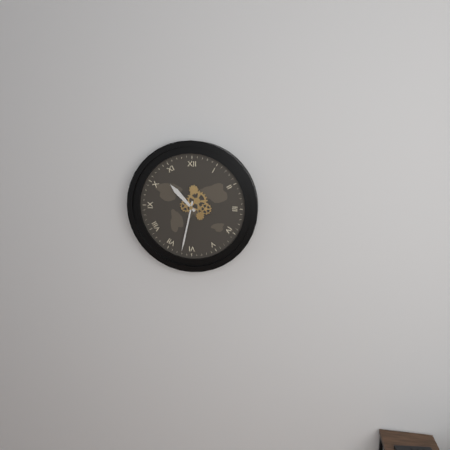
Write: 10 h 32 min
